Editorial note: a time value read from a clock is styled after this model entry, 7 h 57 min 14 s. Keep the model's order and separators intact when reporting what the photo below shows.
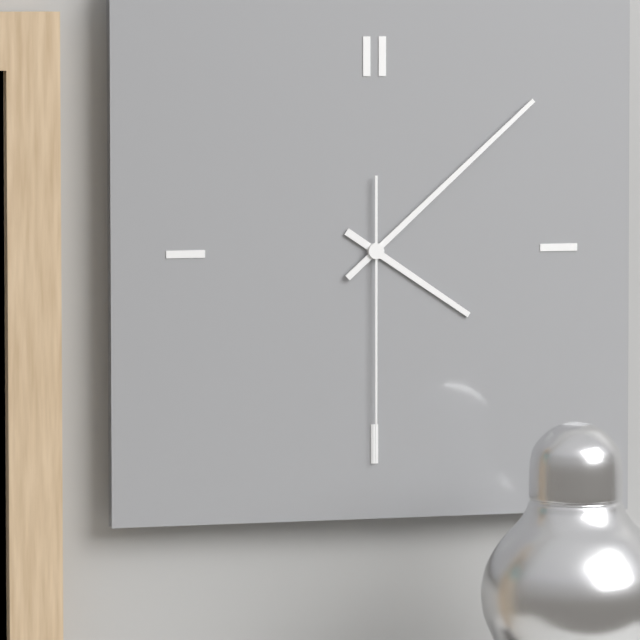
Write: 4 h 08 min 30 s
